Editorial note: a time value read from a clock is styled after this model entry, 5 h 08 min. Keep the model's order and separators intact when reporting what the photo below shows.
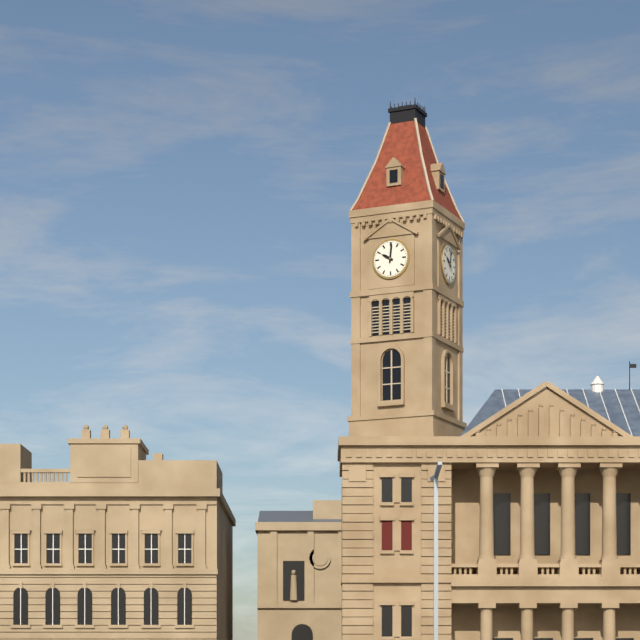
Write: 10 h 01 min
